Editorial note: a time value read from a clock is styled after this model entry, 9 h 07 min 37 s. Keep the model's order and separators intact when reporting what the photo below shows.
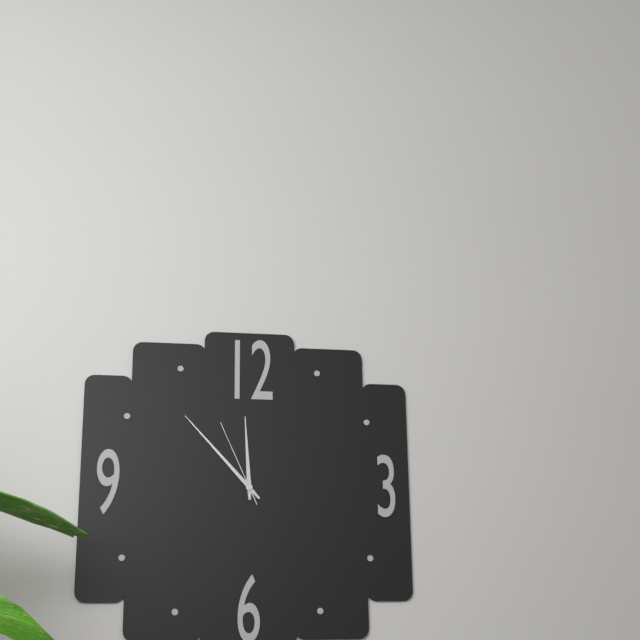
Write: 11 h 53 min 56 s
